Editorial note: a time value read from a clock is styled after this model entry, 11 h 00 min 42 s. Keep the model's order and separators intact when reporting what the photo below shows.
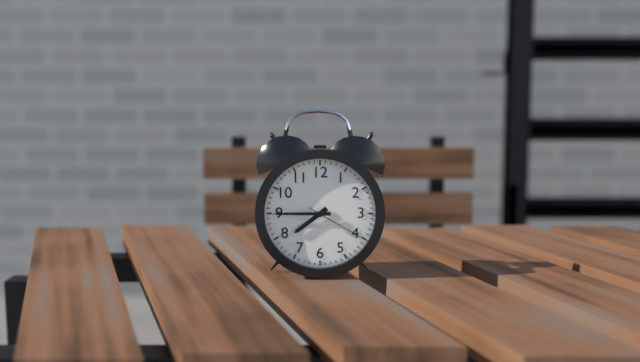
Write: 7 h 45 min 20 s
